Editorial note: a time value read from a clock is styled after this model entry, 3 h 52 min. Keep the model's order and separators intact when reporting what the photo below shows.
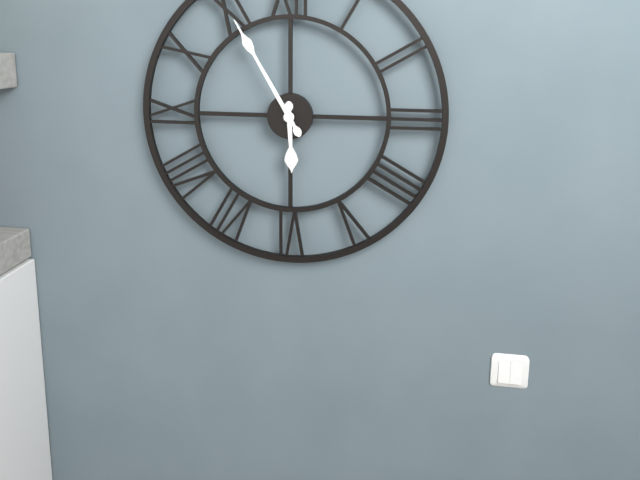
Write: 5 h 55 min
